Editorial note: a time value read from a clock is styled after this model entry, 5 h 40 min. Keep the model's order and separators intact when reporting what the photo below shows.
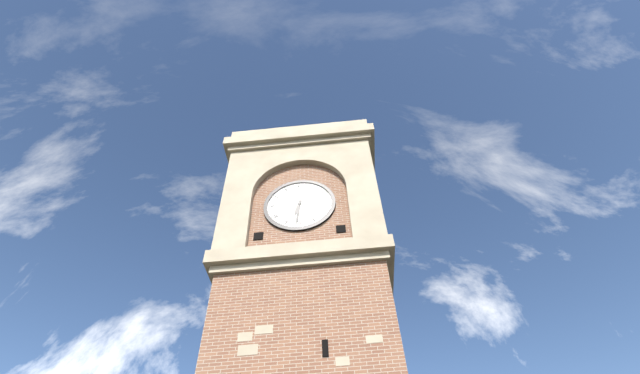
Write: 6 h 31 min
